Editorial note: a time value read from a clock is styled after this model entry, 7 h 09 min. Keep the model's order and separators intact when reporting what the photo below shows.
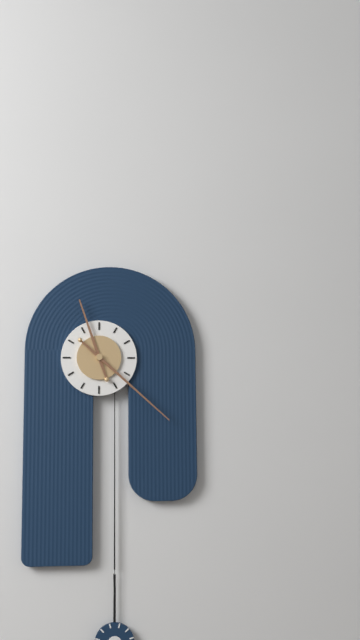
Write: 11 h 22 min
